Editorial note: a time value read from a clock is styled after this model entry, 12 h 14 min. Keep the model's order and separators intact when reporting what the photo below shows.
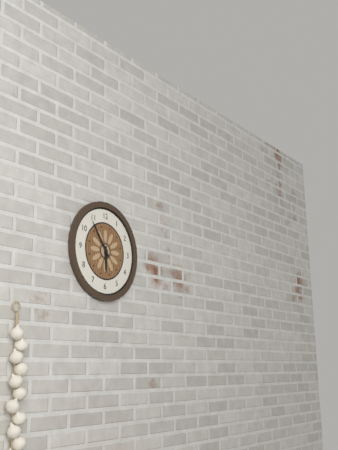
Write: 5 h 54 min
